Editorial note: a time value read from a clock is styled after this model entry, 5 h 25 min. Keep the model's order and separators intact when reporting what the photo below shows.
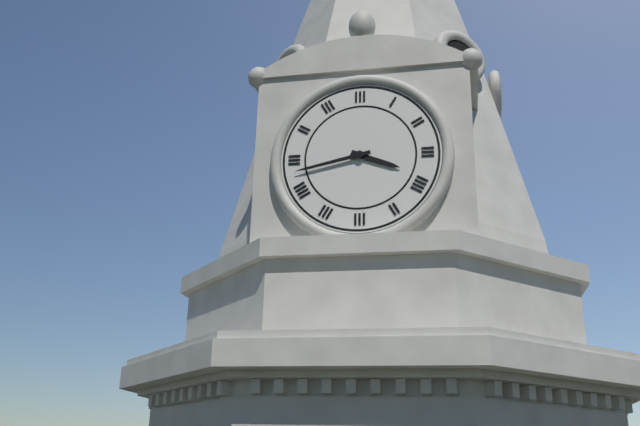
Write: 3 h 43 min
